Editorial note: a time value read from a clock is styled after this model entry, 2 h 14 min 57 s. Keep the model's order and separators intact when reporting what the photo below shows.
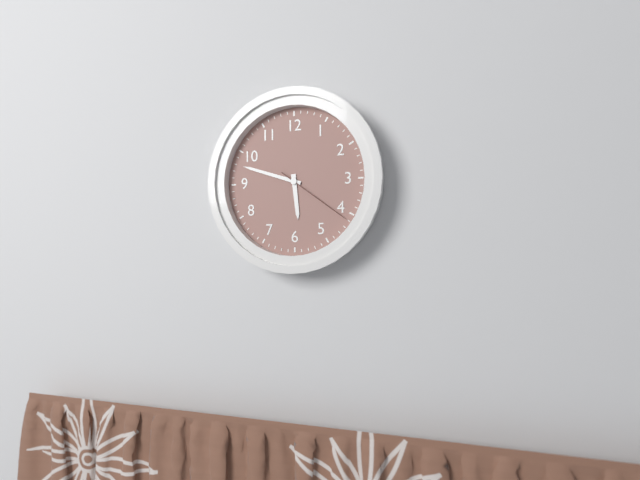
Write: 5 h 48 min 21 s
